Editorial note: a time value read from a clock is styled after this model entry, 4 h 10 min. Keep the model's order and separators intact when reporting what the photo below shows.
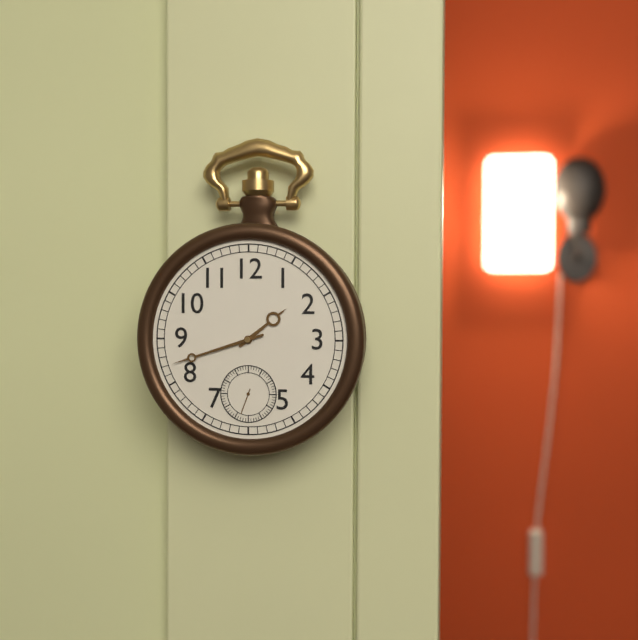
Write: 1 h 42 min
